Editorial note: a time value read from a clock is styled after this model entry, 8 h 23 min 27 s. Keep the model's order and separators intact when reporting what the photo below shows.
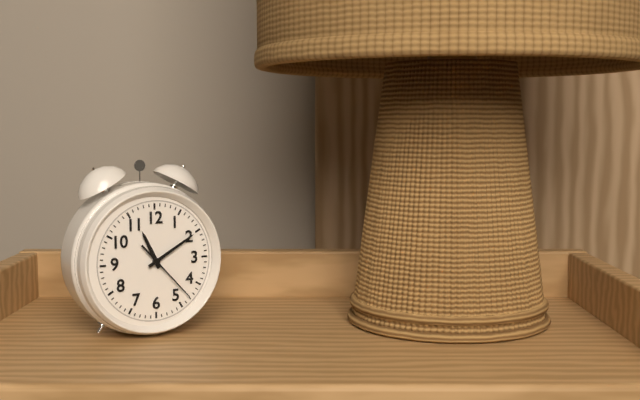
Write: 11 h 10 min 23 s
